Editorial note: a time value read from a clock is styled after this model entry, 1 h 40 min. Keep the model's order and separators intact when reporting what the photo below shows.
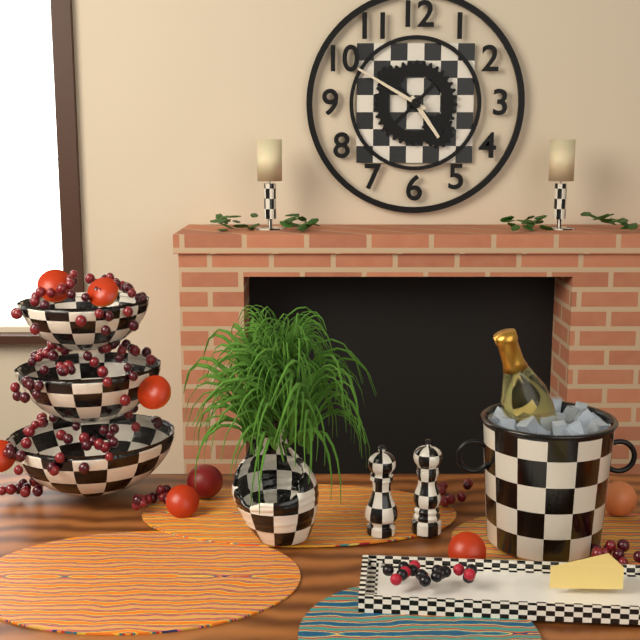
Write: 4 h 50 min
